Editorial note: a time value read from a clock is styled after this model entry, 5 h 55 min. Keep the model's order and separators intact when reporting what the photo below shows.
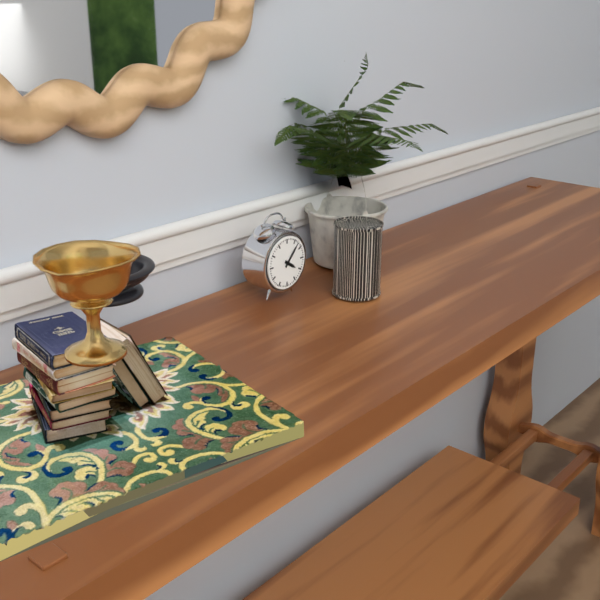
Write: 4 h 07 min
